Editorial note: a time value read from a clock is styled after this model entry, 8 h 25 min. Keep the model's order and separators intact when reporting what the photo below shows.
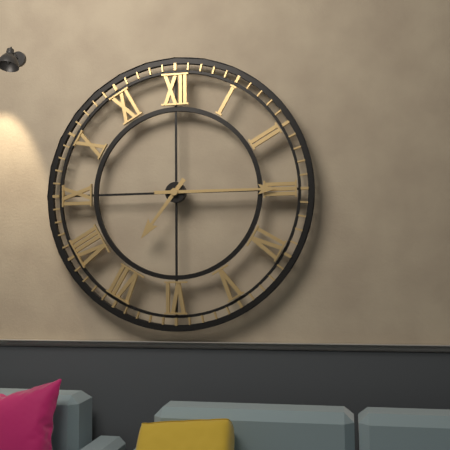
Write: 7 h 15 min
